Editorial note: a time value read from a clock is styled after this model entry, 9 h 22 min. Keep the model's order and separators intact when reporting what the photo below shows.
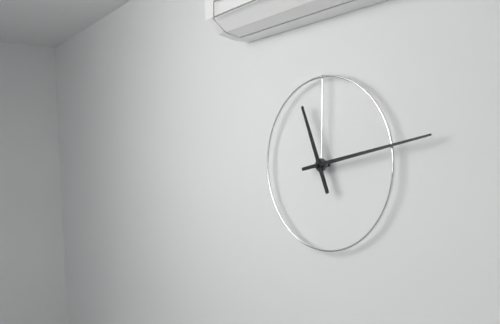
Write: 11 h 13 min
